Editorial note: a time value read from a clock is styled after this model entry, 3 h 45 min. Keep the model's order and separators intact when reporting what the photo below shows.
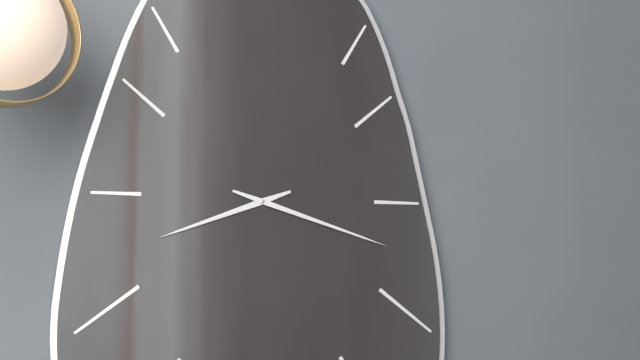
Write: 8 h 18 min
